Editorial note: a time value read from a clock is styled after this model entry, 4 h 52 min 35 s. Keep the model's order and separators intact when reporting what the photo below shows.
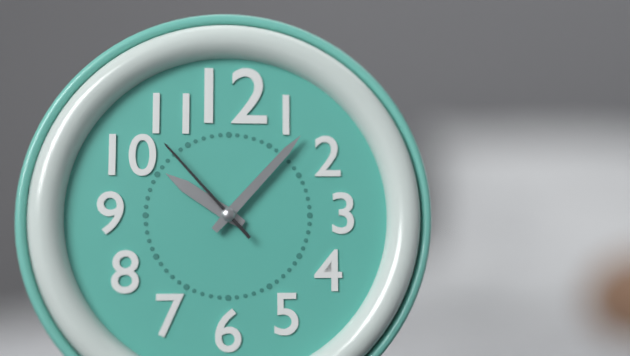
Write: 10 h 07 min 53 s
